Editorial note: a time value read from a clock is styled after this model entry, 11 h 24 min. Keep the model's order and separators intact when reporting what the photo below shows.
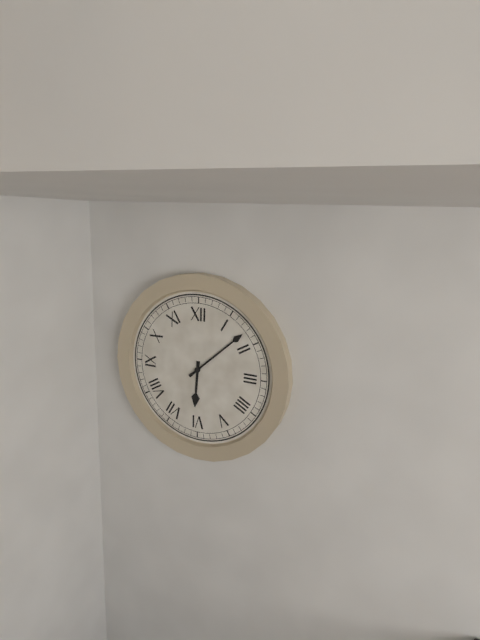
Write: 6 h 08 min
